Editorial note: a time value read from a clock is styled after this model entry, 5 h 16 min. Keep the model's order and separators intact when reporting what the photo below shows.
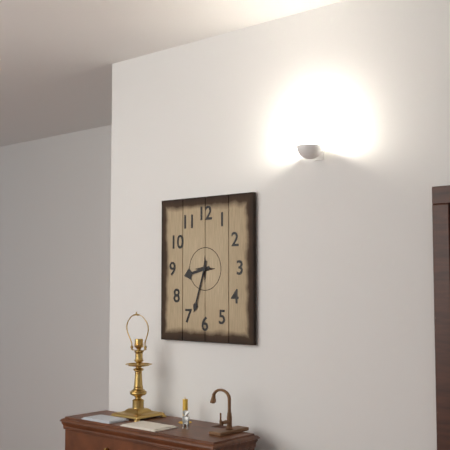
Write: 8 h 33 min
